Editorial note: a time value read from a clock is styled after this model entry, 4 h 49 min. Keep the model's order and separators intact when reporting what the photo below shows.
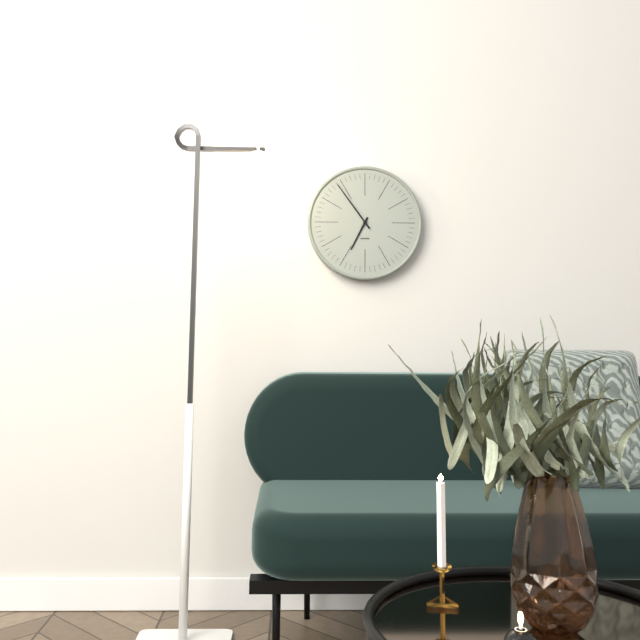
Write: 6 h 54 min
